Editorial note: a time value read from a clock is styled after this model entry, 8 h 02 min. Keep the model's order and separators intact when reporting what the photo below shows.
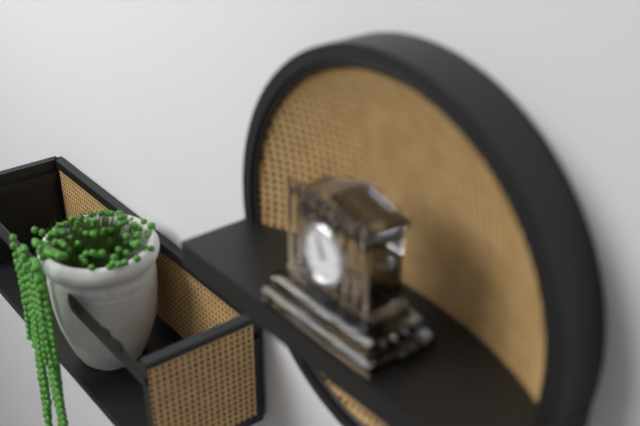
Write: 10 h 56 min
